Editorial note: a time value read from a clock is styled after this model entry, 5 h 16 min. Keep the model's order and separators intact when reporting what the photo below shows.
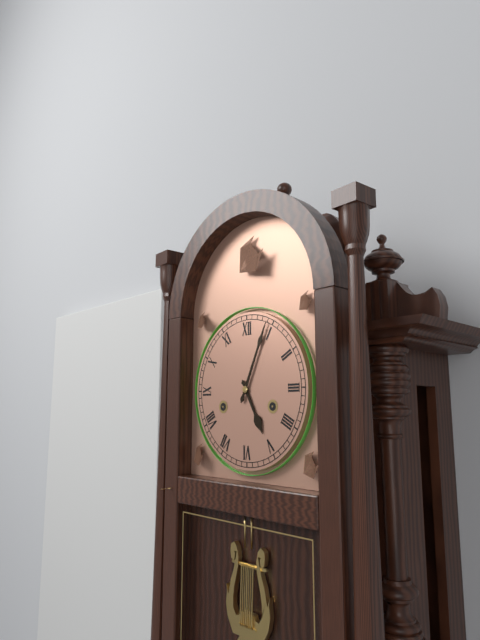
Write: 5 h 04 min
